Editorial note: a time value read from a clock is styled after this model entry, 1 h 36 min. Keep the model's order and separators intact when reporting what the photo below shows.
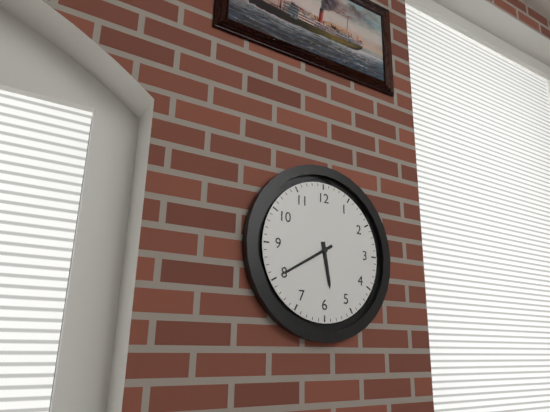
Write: 5 h 40 min
